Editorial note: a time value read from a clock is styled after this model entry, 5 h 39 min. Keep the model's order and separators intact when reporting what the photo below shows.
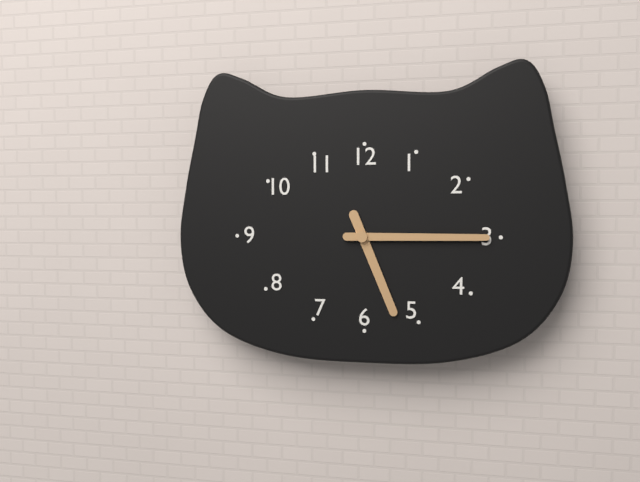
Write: 5 h 15 min
